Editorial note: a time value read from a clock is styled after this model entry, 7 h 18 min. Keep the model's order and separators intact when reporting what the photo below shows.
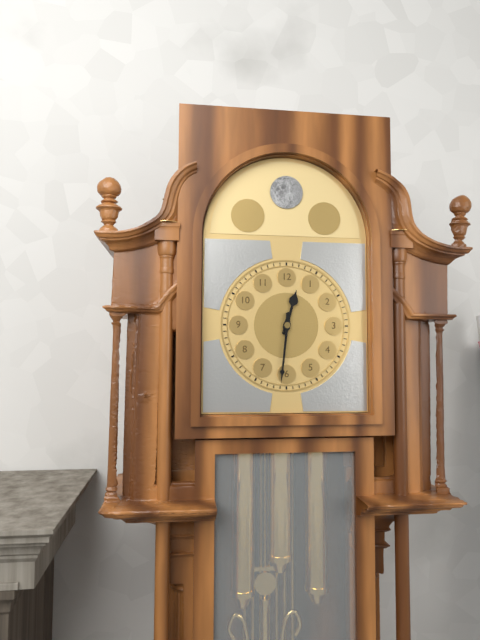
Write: 12 h 31 min
